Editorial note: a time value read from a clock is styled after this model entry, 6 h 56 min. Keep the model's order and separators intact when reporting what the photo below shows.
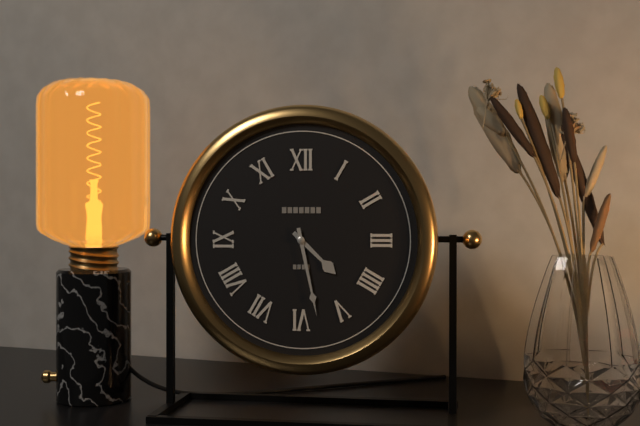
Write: 4 h 28 min
